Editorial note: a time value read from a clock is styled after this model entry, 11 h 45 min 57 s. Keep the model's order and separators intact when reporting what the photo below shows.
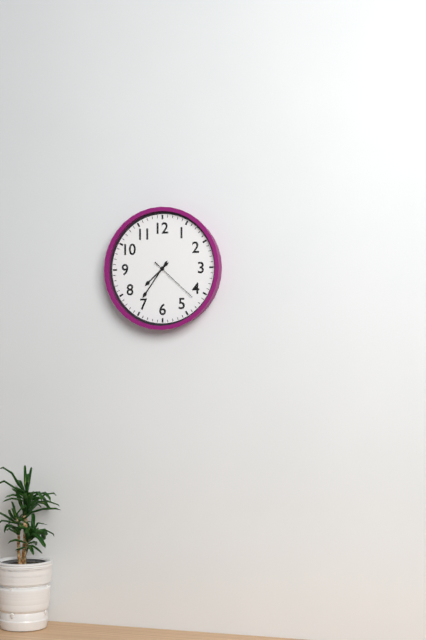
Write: 7 h 36 min 22 s
